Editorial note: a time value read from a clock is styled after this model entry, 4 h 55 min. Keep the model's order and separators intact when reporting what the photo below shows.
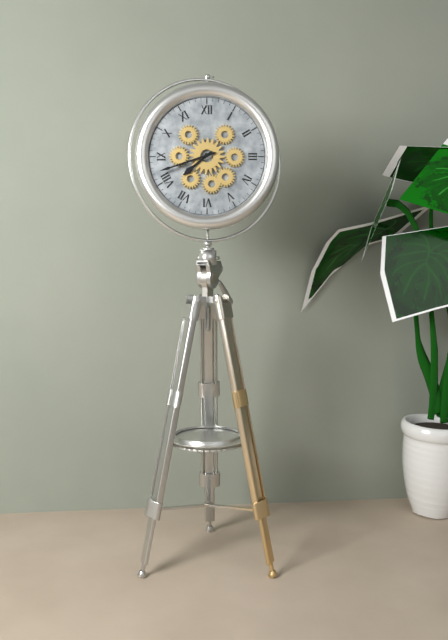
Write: 7 h 42 min
